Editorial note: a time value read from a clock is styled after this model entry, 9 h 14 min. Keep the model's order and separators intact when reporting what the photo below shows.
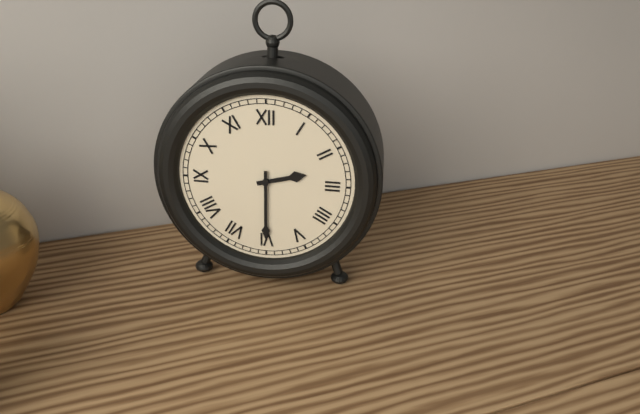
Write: 2 h 30 min
